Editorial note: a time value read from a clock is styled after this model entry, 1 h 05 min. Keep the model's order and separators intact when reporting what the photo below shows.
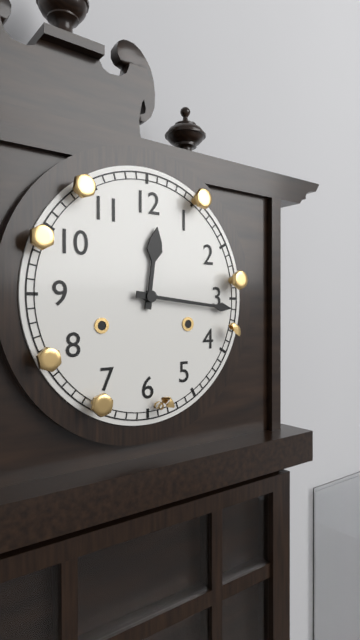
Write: 12 h 16 min
